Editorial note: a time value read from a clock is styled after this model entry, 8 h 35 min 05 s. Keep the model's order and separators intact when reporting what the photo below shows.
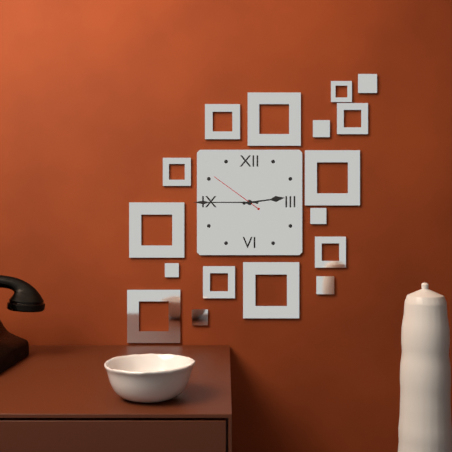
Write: 2 h 45 min 51 s
